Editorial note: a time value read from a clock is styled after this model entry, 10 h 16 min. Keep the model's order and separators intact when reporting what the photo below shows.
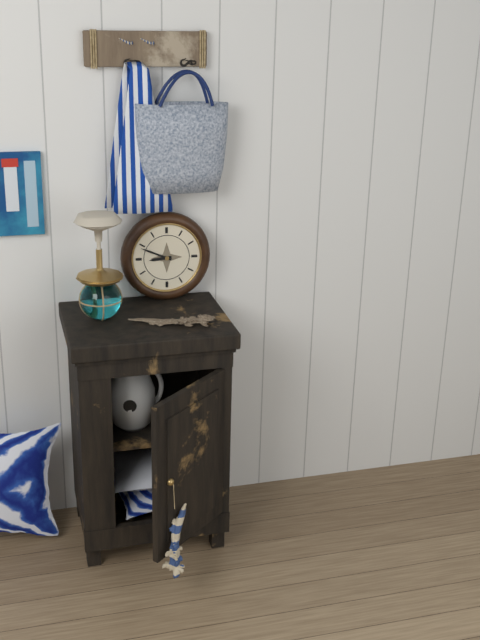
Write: 8 h 49 min
